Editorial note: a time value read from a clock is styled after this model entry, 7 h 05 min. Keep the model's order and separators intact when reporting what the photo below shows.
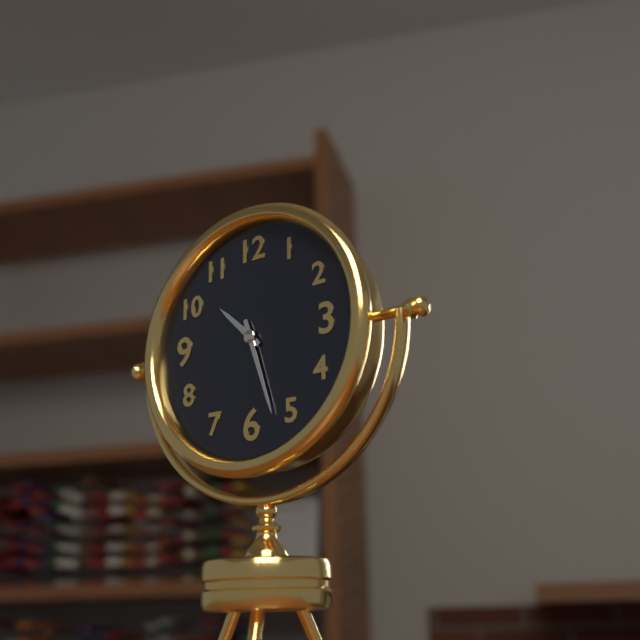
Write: 10 h 27 min
